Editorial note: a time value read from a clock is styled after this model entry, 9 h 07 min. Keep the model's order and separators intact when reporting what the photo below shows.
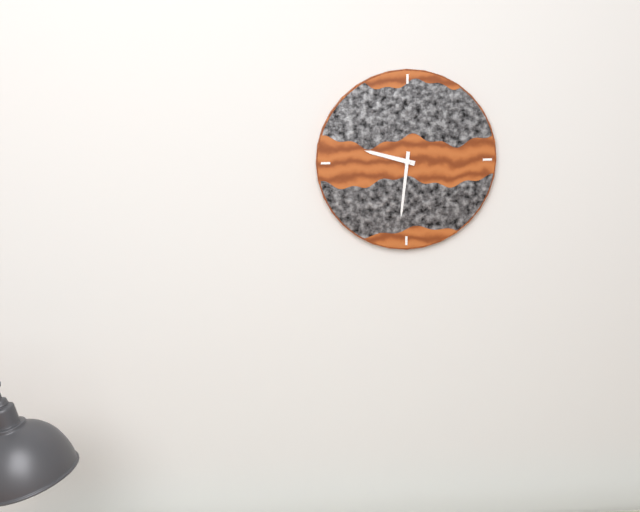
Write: 9 h 31 min
